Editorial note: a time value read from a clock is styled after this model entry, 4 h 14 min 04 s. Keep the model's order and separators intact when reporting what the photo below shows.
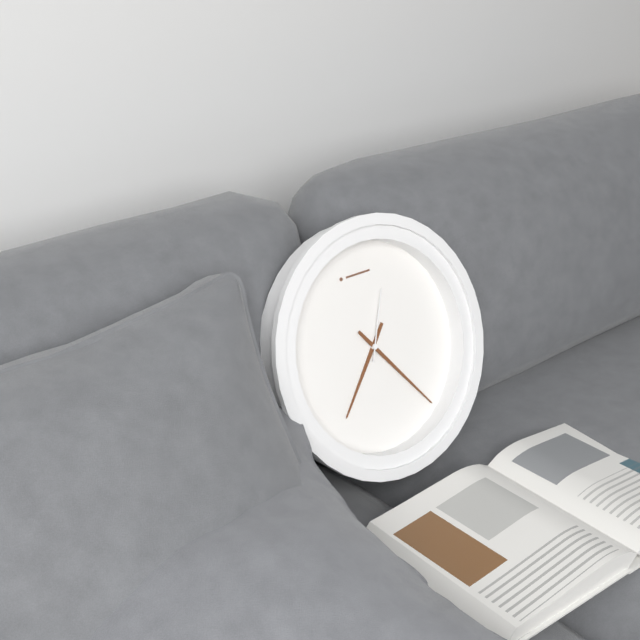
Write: 7 h 24 min 04 s
